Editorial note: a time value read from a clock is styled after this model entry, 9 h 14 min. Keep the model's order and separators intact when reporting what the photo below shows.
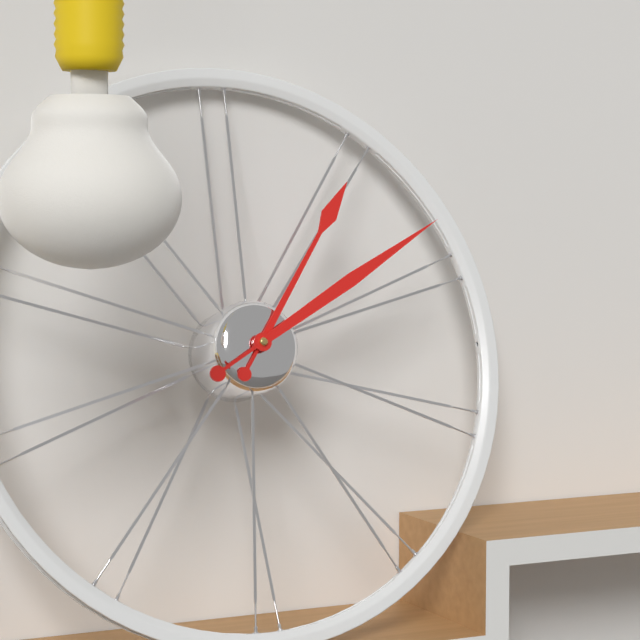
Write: 1 h 10 min
